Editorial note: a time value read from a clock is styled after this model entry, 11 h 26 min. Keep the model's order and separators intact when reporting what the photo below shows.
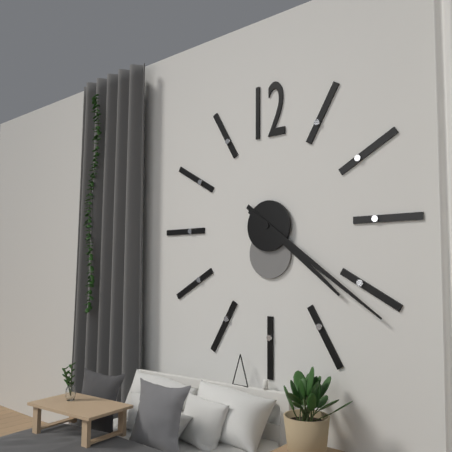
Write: 4 h 21 min
